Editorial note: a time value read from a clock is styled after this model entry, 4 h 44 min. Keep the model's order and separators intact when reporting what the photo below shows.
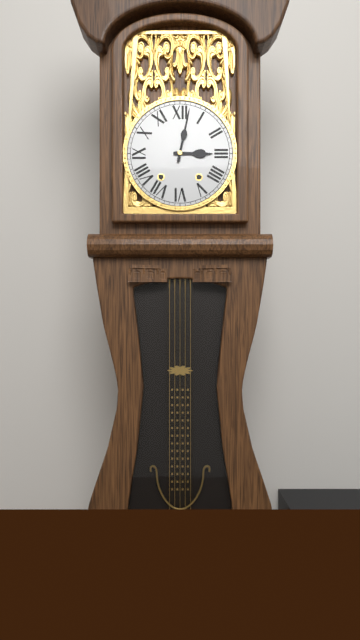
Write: 3 h 02 min
